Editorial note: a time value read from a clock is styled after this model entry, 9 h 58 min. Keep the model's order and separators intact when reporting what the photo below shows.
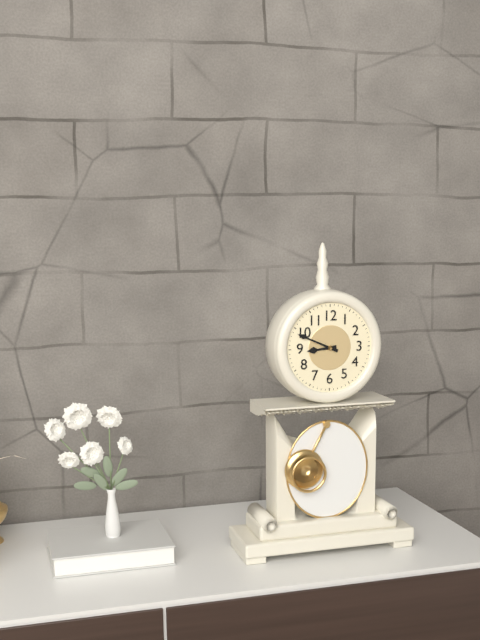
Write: 8 h 49 min
